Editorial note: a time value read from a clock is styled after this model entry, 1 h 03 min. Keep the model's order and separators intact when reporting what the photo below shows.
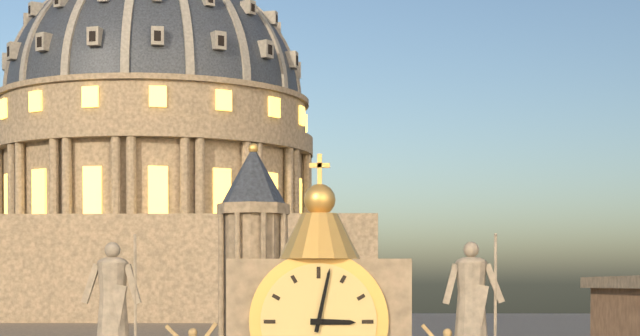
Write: 3 h 02 min
